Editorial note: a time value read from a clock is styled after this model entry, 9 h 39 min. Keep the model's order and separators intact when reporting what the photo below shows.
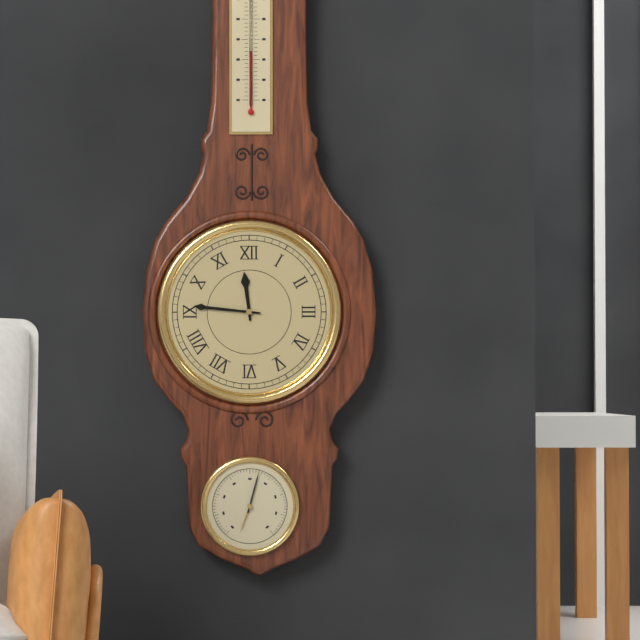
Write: 11 h 46 min
